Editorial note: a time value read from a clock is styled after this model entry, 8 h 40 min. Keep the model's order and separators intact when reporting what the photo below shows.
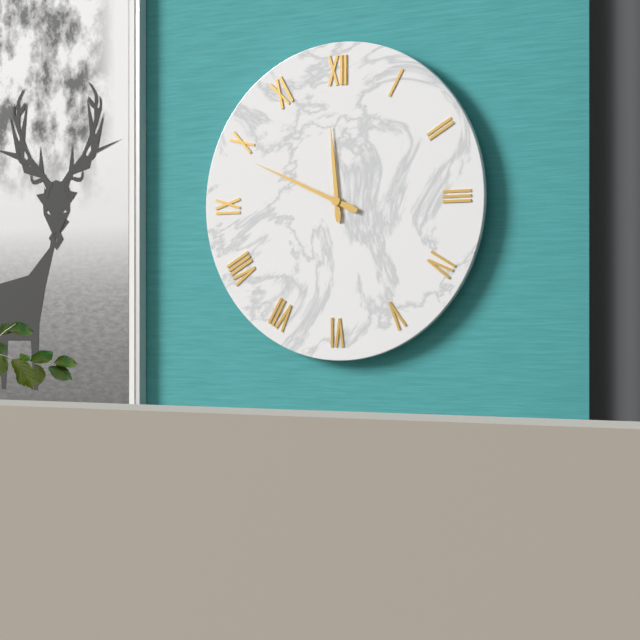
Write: 11 h 49 min
